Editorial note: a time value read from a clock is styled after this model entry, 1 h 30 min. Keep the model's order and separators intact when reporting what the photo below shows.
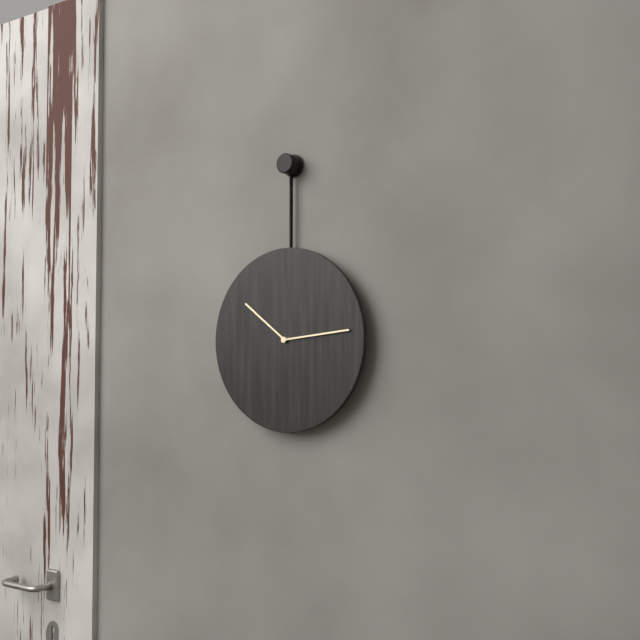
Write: 10 h 14 min
